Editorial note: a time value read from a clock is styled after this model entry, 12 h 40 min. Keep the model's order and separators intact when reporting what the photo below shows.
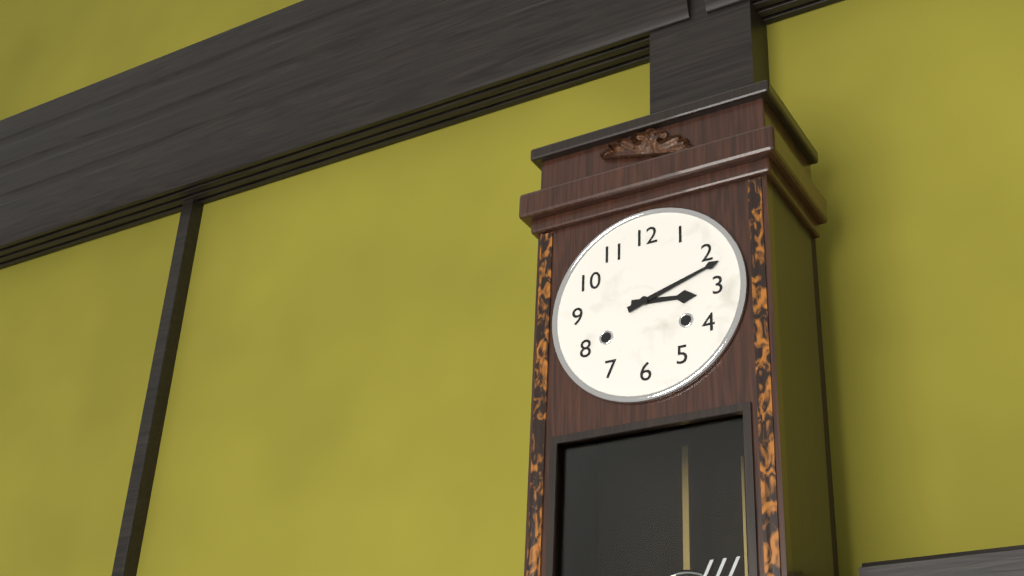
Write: 3 h 12 min
